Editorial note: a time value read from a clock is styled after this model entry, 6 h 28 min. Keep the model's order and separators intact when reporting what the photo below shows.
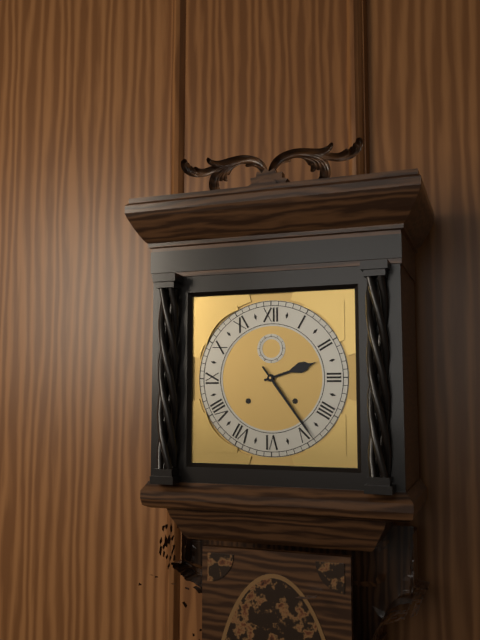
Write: 2 h 24 min
